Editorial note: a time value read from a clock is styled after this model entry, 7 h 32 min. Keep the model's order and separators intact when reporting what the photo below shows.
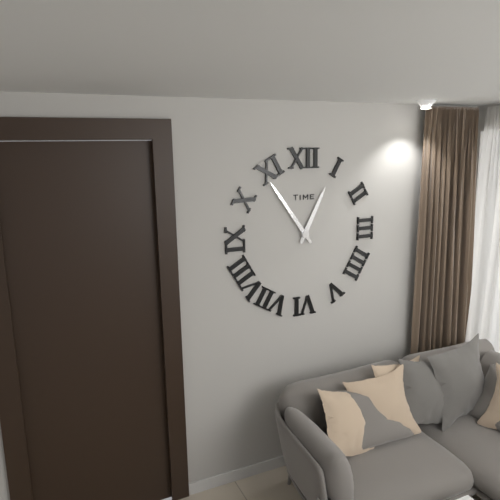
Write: 12 h 54 min
